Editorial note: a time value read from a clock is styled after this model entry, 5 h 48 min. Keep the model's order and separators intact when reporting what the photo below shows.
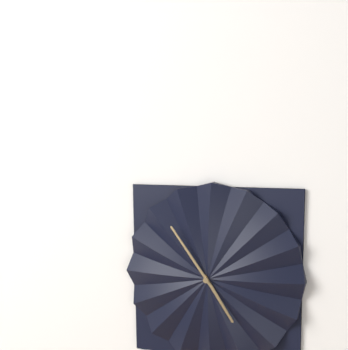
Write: 4 h 54 min
